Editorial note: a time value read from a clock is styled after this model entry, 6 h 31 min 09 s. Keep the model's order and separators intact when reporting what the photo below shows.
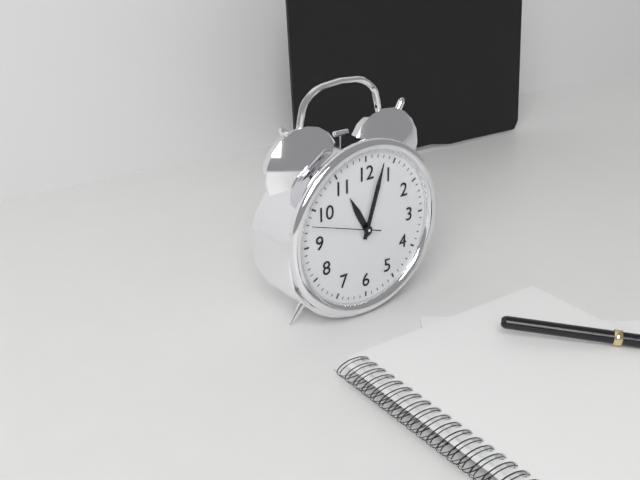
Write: 11 h 03 min 48 s
